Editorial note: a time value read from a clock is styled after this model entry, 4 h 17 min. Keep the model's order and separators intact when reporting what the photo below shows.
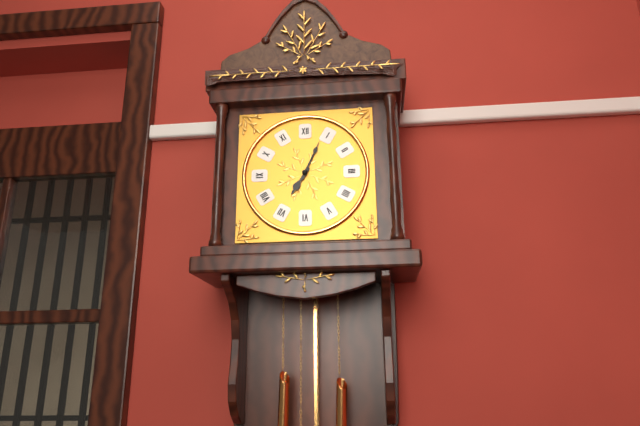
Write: 7 h 04 min
